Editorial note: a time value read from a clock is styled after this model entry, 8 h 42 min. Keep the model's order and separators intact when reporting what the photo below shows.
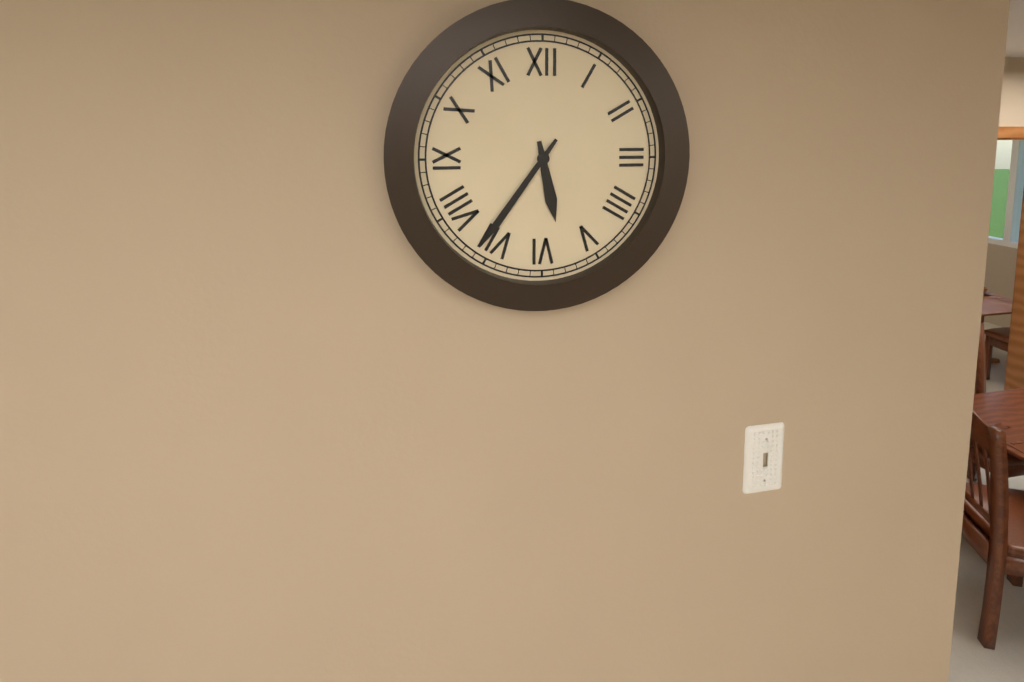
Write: 5 h 36 min
